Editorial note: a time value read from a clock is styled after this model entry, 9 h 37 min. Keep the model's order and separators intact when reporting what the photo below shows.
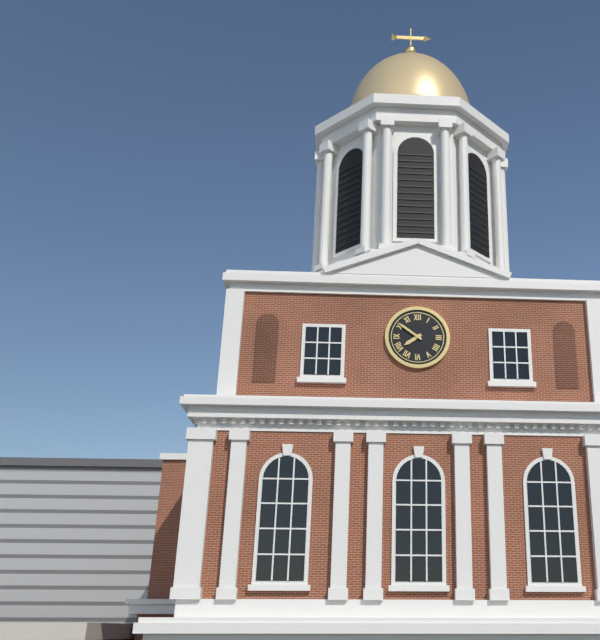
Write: 7 h 51 min
